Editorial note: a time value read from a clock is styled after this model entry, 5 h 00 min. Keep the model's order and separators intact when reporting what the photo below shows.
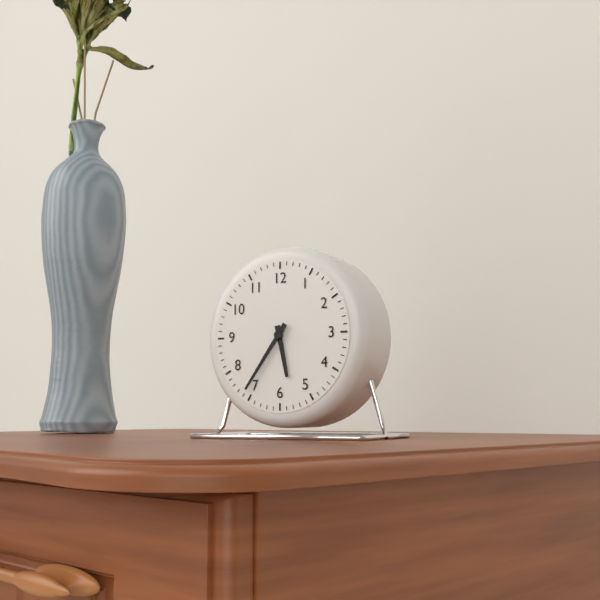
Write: 5 h 36 min
